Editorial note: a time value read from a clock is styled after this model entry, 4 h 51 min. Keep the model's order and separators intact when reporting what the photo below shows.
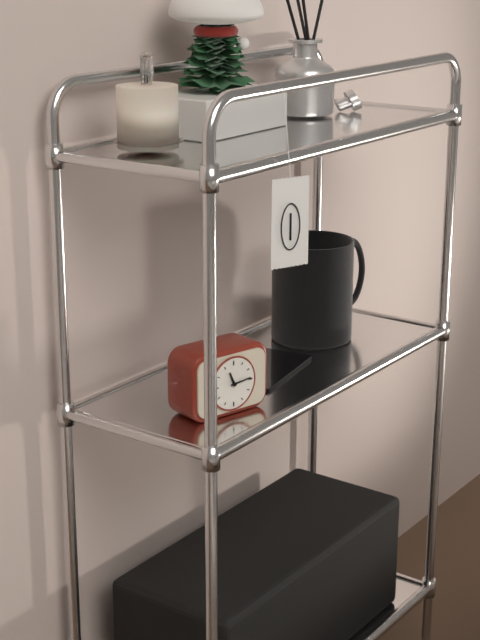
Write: 11 h 14 min
